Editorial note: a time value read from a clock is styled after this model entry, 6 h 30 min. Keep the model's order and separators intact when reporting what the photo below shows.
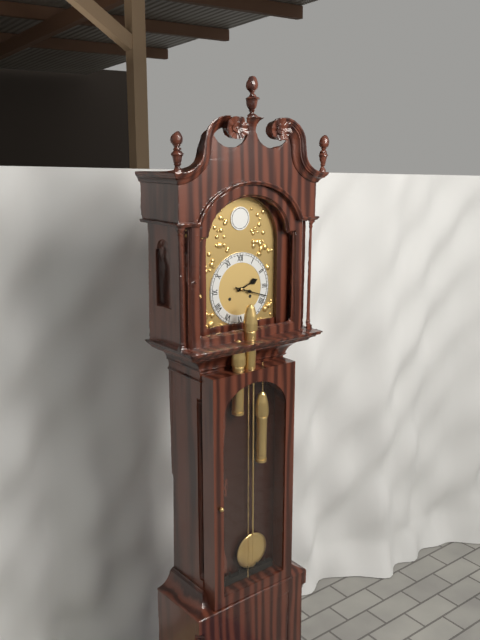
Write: 2 h 18 min
